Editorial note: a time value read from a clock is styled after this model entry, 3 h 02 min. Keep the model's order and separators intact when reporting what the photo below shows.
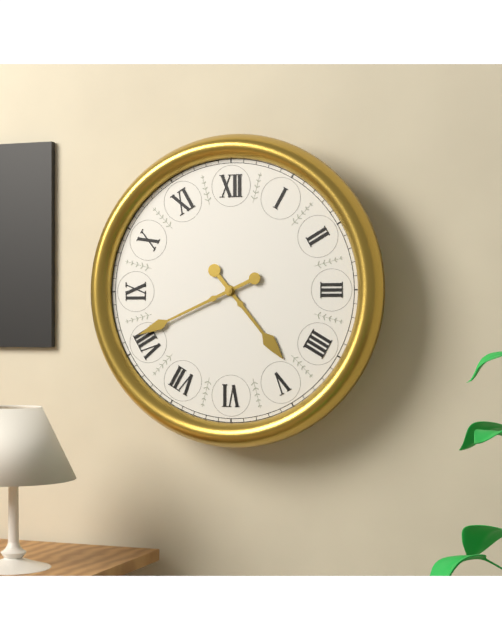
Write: 4 h 41 min
